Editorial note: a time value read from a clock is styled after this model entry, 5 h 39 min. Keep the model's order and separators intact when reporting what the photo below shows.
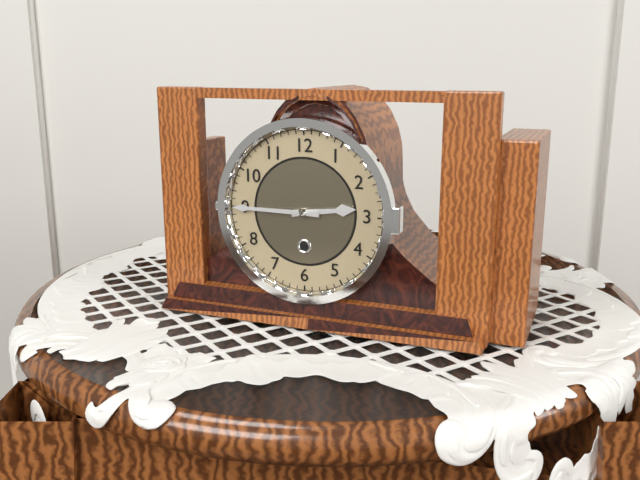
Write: 2 h 45 min
